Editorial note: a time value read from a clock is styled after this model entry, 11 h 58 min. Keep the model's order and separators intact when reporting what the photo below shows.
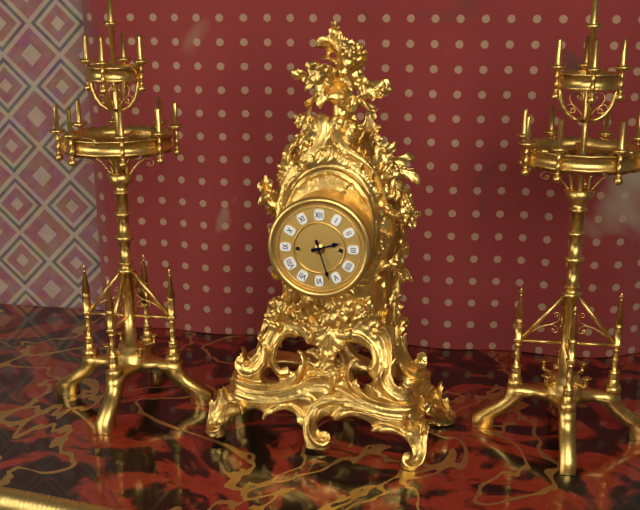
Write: 2 h 27 min
